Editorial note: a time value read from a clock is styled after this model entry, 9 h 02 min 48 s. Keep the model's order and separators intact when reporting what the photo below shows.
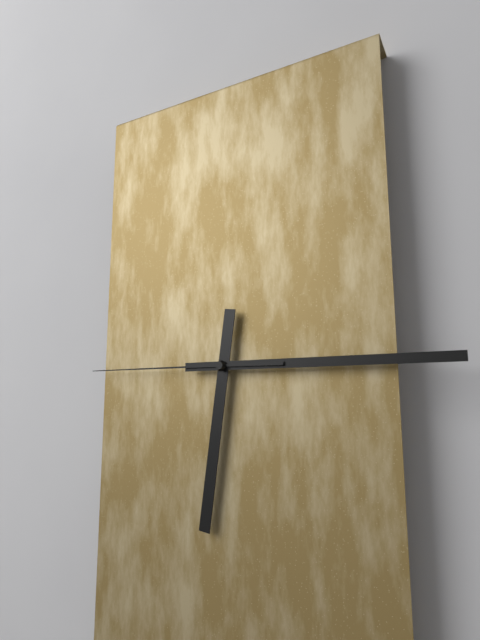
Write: 6 h 15 min 45 s
